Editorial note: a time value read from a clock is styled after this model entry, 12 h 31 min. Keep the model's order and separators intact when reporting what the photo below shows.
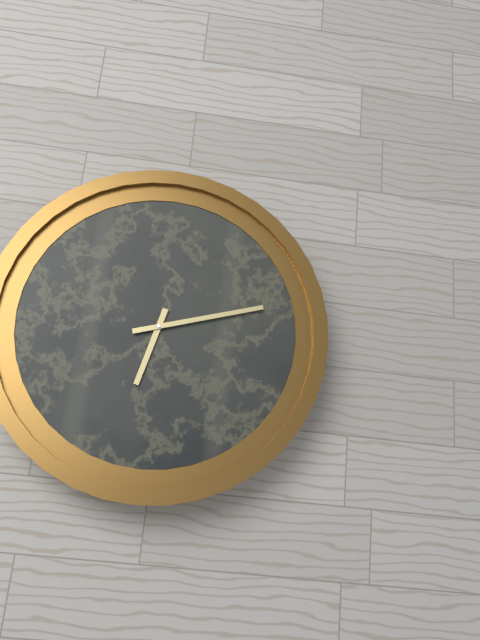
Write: 9 h 27 min
